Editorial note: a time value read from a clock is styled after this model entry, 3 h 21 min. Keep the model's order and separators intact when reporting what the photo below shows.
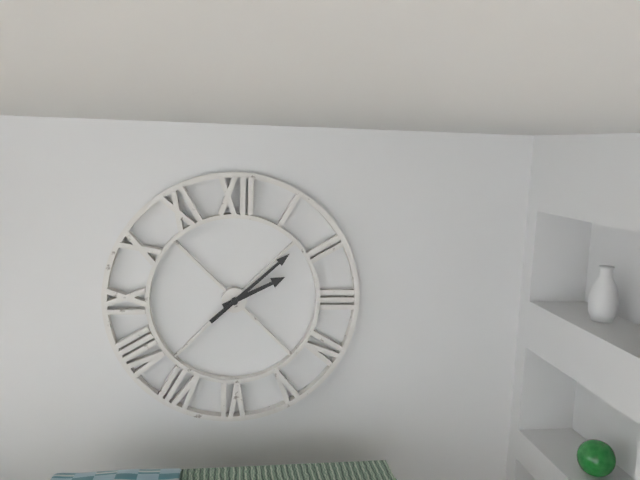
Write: 2 h 08 min
